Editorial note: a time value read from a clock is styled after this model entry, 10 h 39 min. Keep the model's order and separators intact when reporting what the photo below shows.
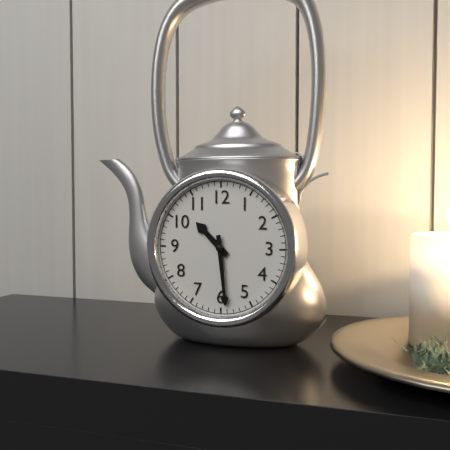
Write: 10 h 29 min
